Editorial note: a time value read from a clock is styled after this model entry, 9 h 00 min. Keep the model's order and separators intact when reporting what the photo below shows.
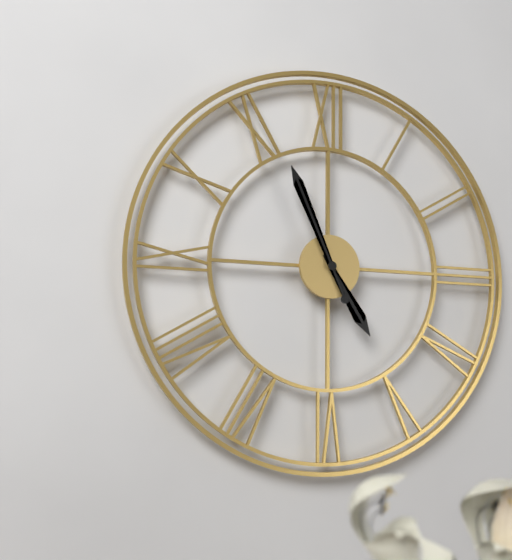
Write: 4 h 56 min
